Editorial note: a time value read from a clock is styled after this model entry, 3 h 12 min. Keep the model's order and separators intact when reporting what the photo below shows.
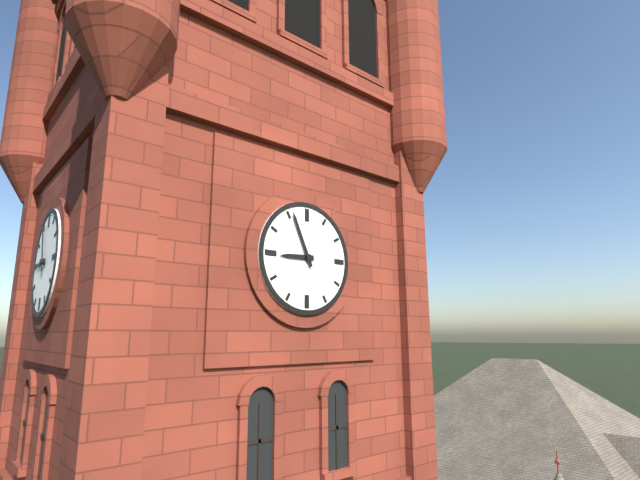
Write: 8 h 56 min
